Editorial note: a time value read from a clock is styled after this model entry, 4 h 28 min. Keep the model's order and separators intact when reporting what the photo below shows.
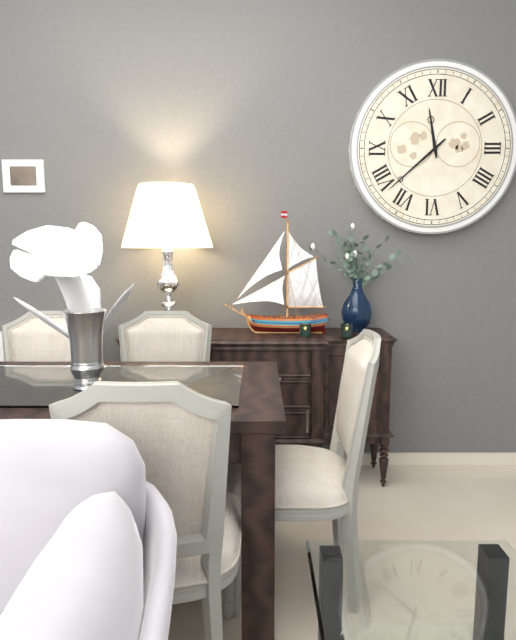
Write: 11 h 38 min
